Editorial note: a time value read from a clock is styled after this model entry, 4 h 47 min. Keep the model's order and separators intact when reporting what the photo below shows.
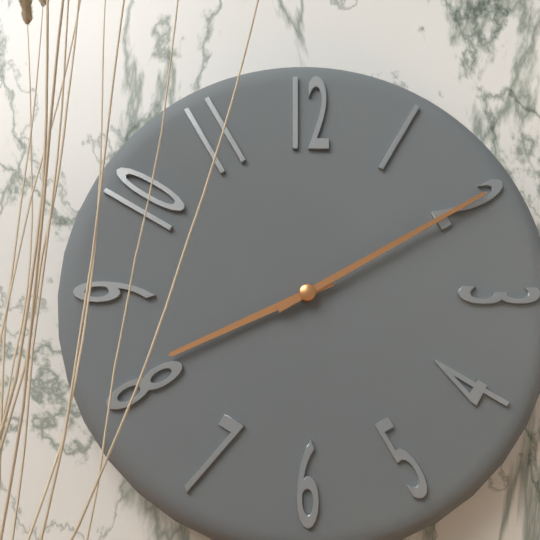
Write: 8 h 10 min
